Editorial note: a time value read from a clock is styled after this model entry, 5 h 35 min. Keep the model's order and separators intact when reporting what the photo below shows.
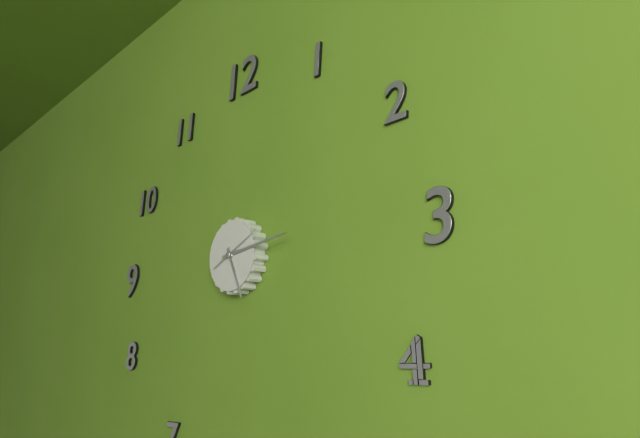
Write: 5 h 14 min
